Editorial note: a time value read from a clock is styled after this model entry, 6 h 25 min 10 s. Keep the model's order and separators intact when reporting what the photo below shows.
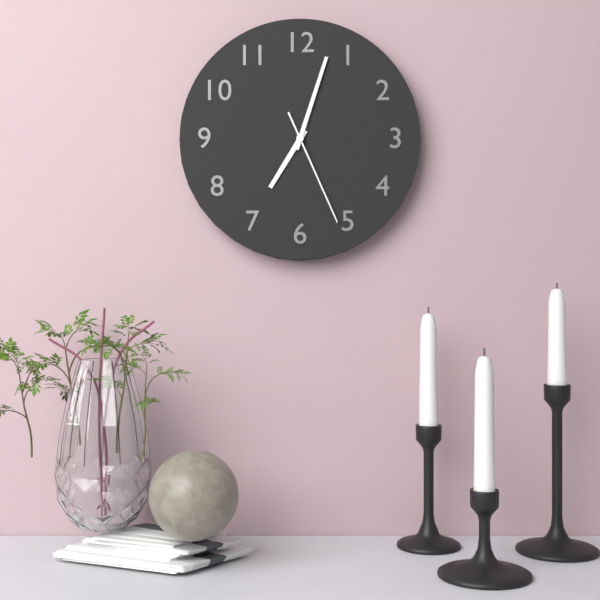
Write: 7 h 03 min 26 s
